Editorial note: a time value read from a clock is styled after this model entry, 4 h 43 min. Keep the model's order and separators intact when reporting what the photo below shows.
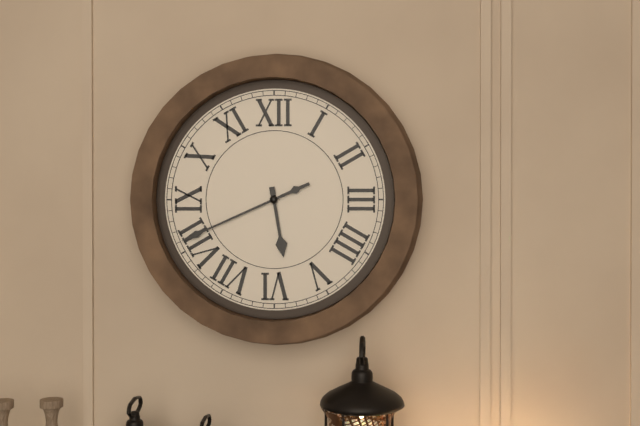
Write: 5 h 41 min
